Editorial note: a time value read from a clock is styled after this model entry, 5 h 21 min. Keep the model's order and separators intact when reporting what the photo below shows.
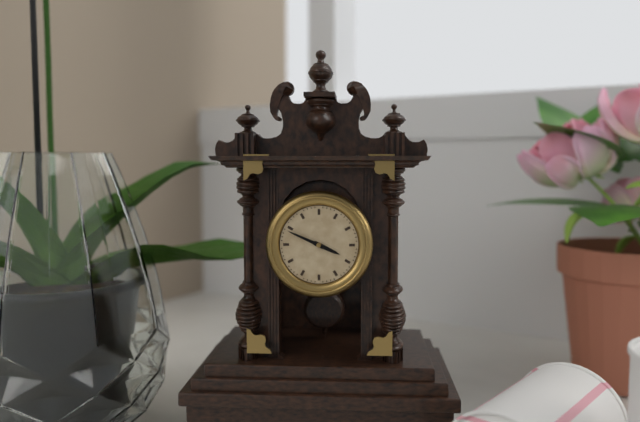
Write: 3 h 49 min
